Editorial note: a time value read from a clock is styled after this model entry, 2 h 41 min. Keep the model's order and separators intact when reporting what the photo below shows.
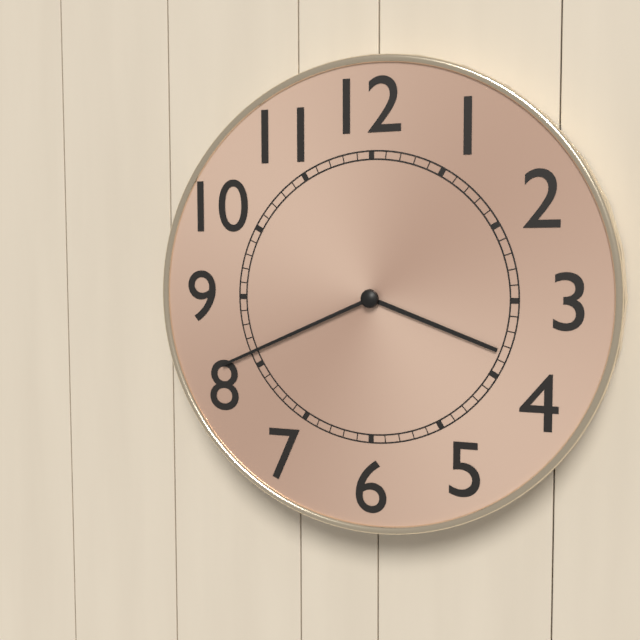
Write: 3 h 41 min
